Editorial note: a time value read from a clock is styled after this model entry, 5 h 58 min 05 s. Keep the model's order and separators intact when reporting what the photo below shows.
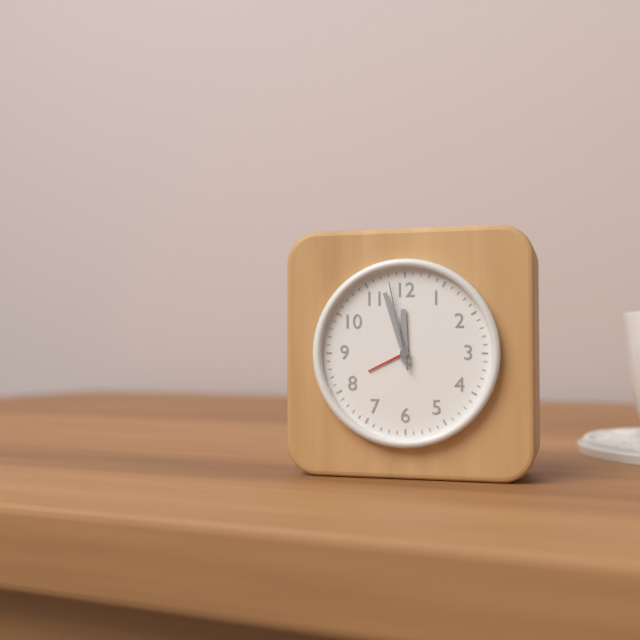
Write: 11 h 57 min 58 s
